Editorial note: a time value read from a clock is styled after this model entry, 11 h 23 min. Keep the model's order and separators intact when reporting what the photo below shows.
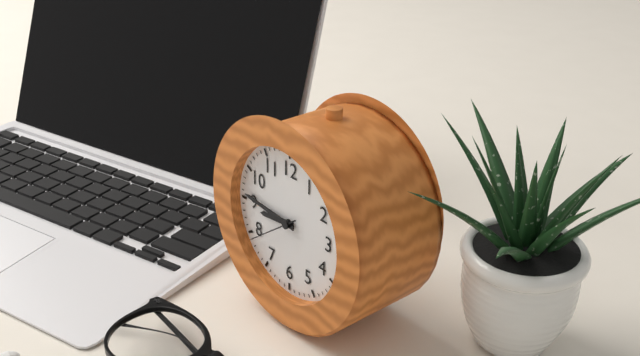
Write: 8 h 46 min
